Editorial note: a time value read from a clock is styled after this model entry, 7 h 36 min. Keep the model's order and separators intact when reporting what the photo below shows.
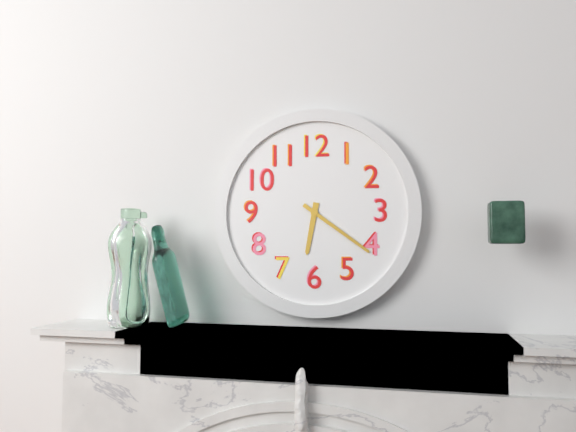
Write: 6 h 21 min
